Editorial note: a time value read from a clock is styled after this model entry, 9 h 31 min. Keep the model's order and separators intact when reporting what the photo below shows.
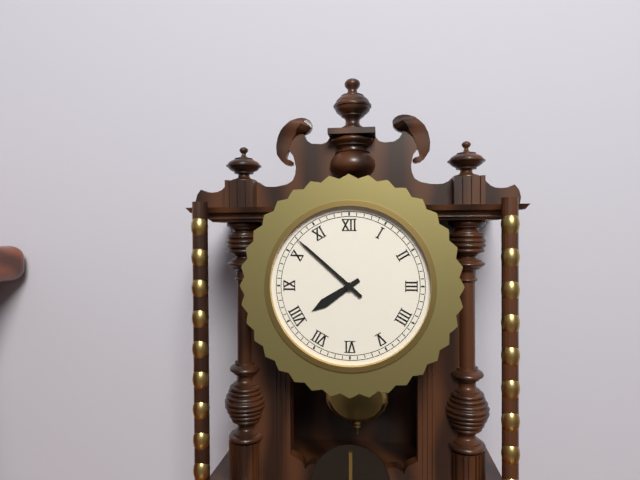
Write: 7 h 52 min
